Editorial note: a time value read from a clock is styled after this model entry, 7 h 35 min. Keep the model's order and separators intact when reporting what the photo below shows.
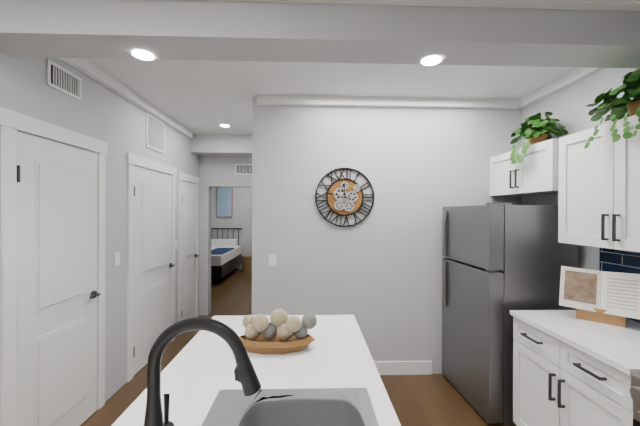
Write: 11 h 47 min
